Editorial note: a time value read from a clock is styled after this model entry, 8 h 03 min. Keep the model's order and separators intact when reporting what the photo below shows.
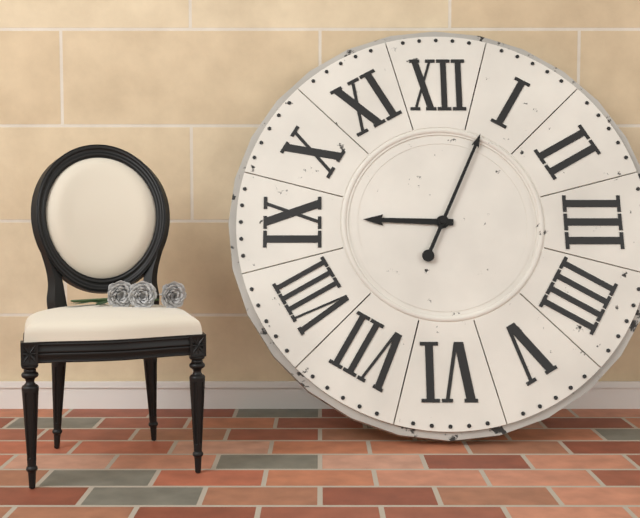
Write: 9 h 04 min
